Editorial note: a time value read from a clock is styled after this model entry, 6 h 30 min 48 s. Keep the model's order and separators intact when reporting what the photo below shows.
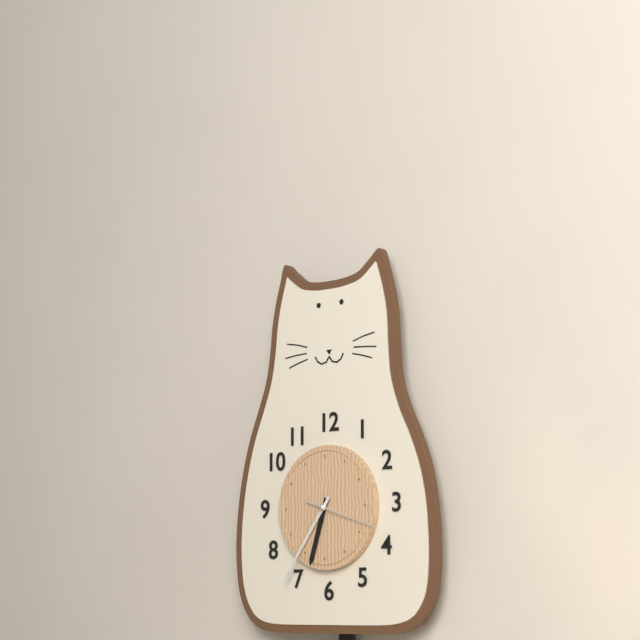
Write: 6 h 36 min 18 s
